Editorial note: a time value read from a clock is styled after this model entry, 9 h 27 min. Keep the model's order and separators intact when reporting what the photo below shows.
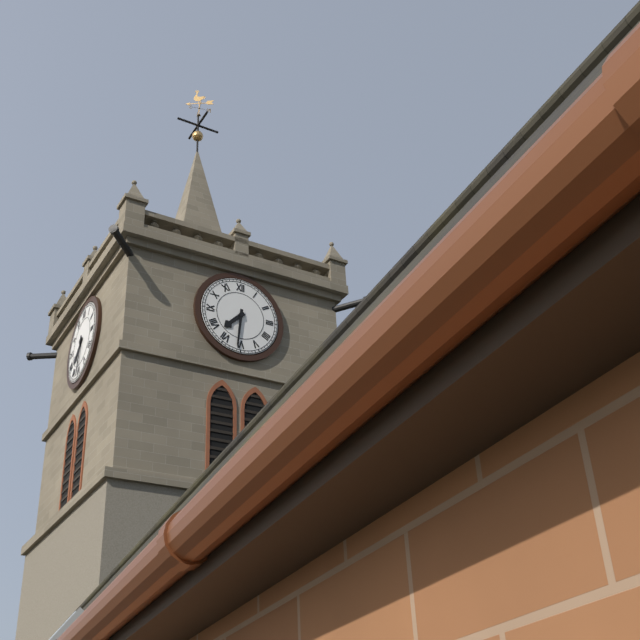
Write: 7 h 31 min
